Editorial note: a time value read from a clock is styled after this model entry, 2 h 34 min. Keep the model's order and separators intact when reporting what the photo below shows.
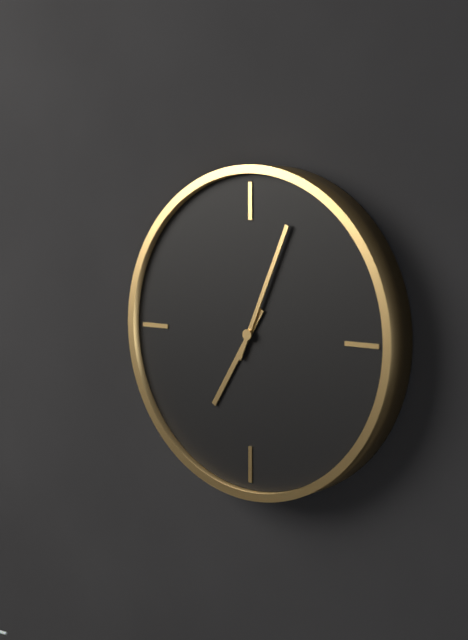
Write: 7 h 04 min
